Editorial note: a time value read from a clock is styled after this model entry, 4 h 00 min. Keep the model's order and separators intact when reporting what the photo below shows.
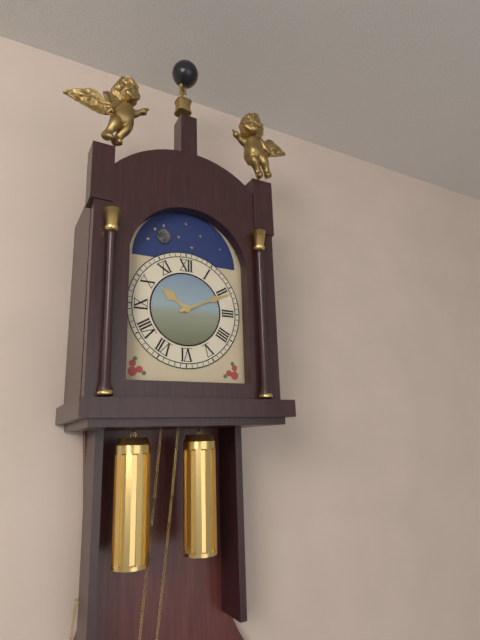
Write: 10 h 11 min
